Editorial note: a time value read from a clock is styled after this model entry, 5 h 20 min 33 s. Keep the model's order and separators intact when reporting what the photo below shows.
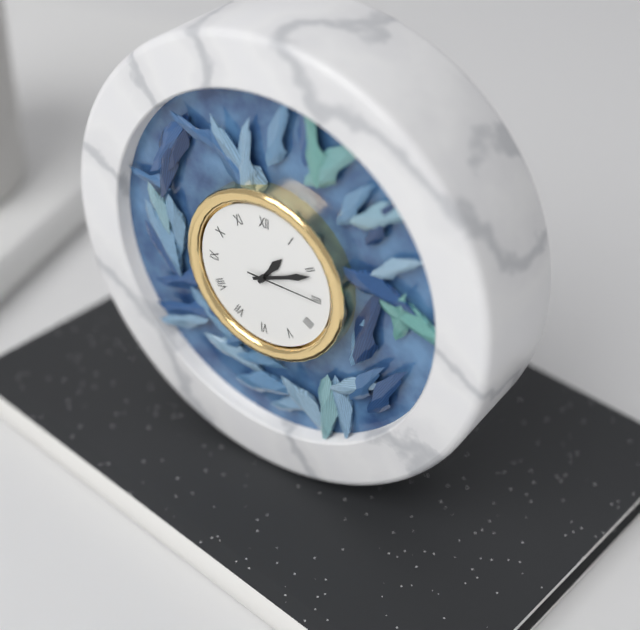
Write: 1 h 11 min 15 s
